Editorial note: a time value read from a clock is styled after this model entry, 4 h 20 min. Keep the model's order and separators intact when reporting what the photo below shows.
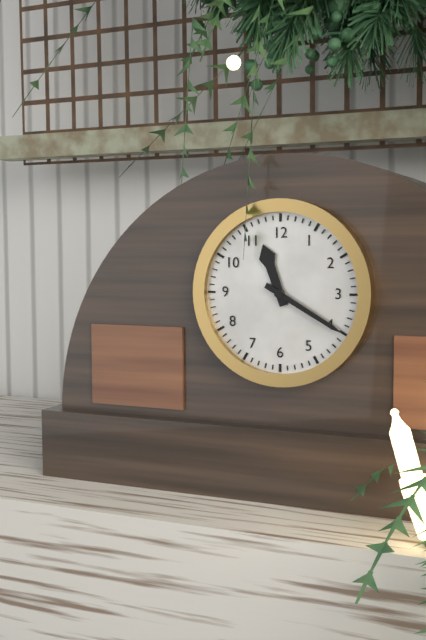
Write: 11 h 20 min
